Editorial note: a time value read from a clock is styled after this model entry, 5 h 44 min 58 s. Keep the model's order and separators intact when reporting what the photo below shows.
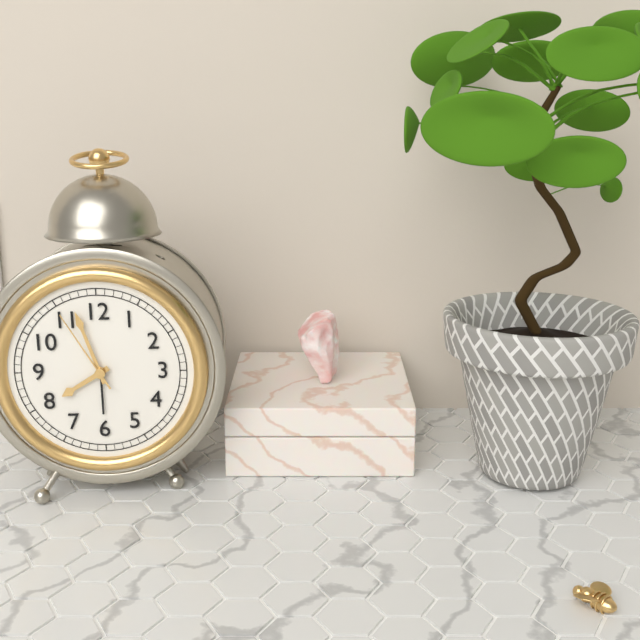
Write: 7 h 57 min 55 s
